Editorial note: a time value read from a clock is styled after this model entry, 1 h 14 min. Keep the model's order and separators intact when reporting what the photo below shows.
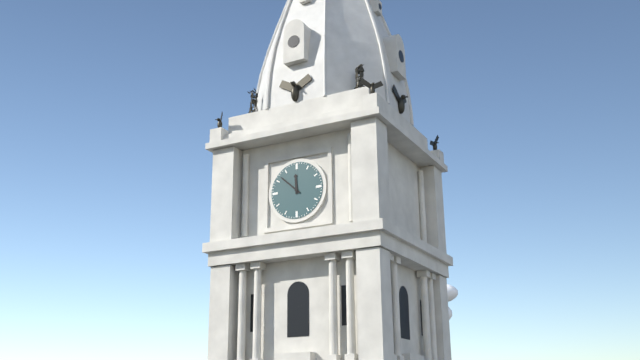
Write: 11 h 52 min
